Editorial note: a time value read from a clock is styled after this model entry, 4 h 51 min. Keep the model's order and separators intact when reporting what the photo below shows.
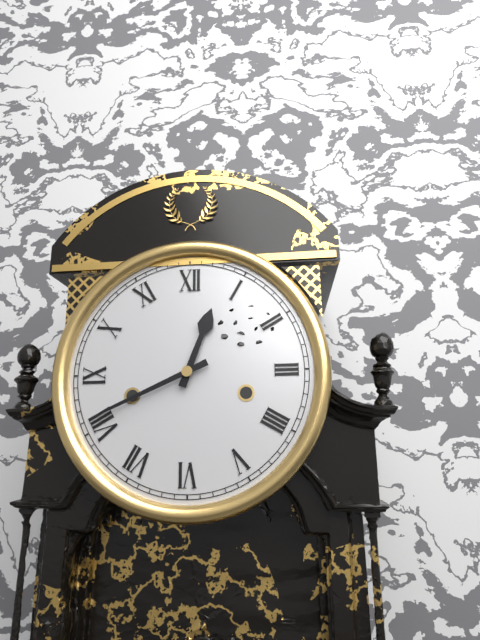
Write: 12 h 41 min
